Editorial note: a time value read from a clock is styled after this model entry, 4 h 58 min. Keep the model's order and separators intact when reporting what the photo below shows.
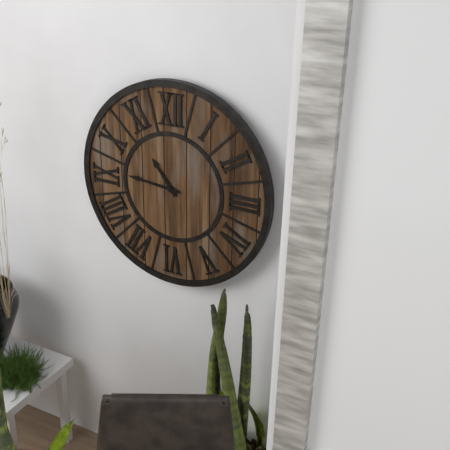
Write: 10 h 46 min
